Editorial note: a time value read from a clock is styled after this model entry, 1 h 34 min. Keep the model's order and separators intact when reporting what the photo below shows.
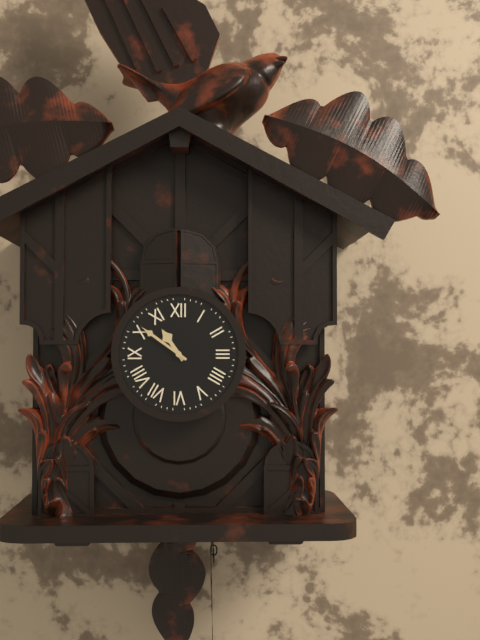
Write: 10 h 51 min
